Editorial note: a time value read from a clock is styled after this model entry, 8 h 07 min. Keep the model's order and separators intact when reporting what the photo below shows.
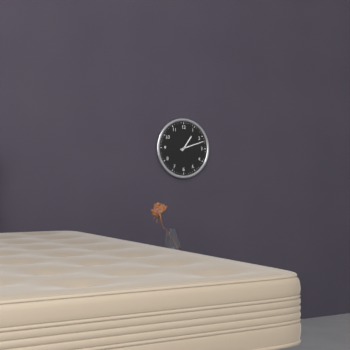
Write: 1 h 12 min
